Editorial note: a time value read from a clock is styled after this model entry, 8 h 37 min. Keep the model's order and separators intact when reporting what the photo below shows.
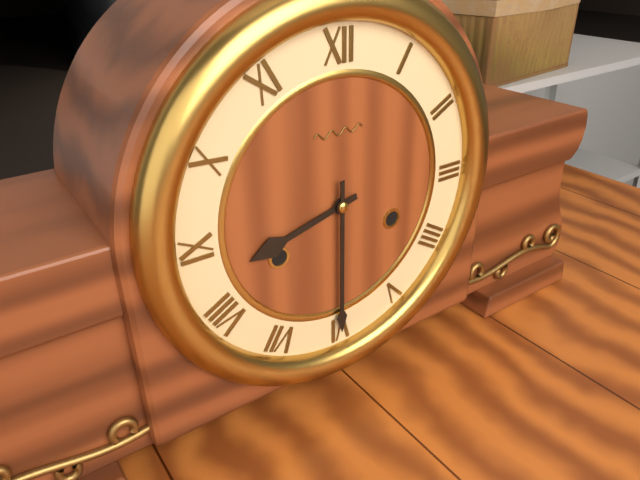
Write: 8 h 30 min
